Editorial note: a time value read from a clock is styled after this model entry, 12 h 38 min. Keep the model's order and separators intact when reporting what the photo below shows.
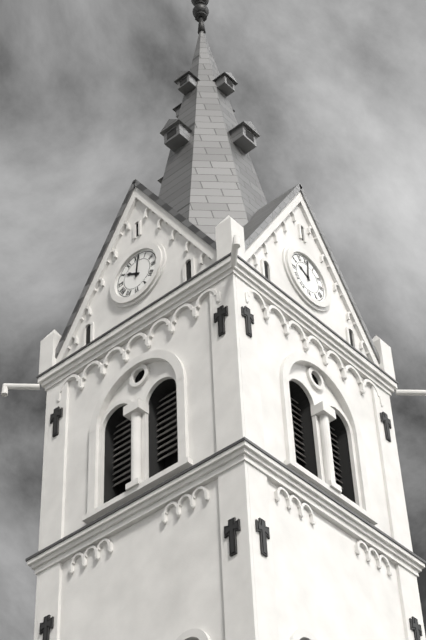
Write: 10 h 01 min
